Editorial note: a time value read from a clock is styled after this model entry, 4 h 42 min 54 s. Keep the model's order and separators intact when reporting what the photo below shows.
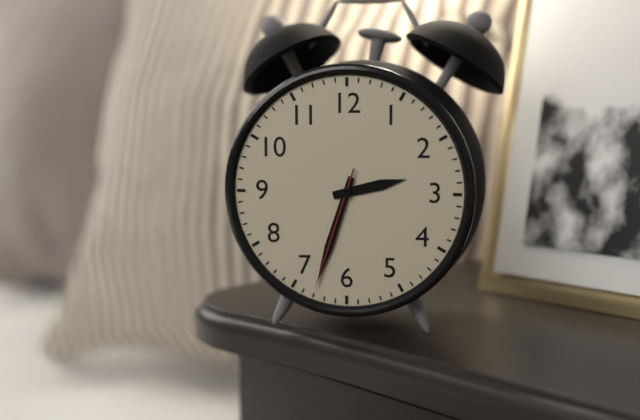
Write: 2 h 33 min 33 s
